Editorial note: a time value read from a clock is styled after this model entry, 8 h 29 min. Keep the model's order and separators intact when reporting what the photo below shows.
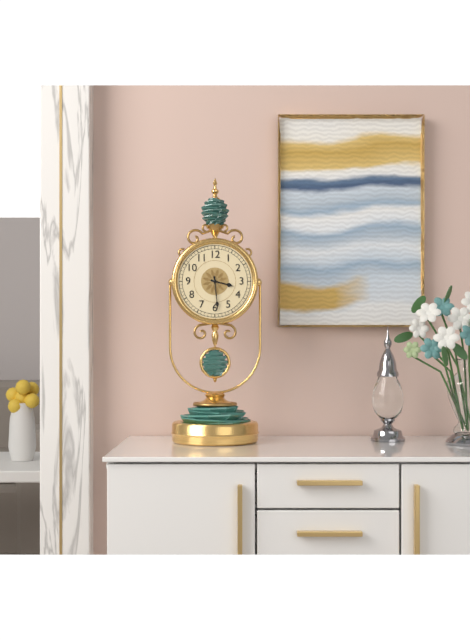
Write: 3 h 29 min
